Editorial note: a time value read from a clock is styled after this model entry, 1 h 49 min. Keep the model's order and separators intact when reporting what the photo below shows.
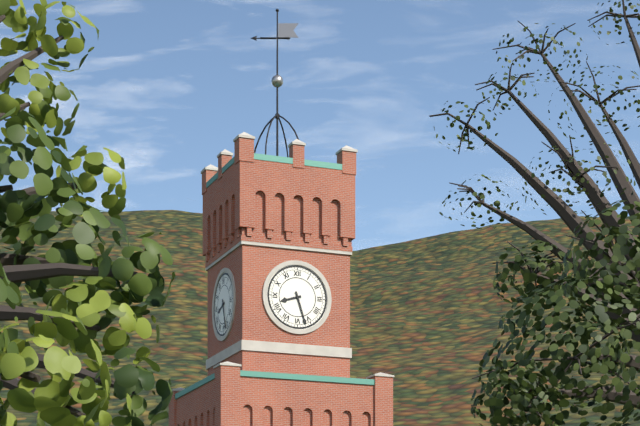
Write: 8 h 27 min
